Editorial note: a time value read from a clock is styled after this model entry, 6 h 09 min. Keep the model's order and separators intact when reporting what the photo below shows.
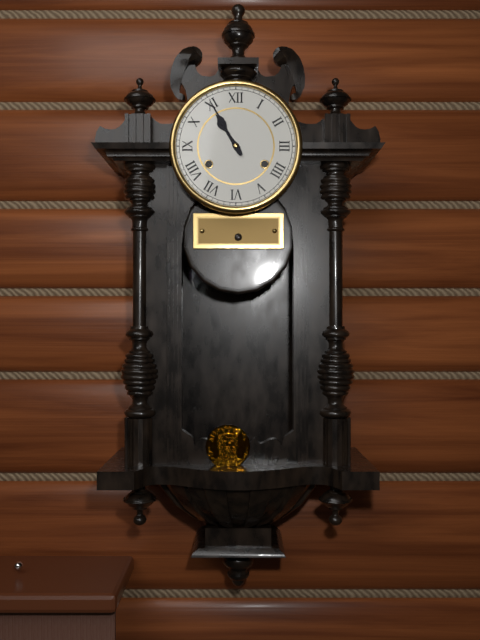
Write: 10 h 55 min
